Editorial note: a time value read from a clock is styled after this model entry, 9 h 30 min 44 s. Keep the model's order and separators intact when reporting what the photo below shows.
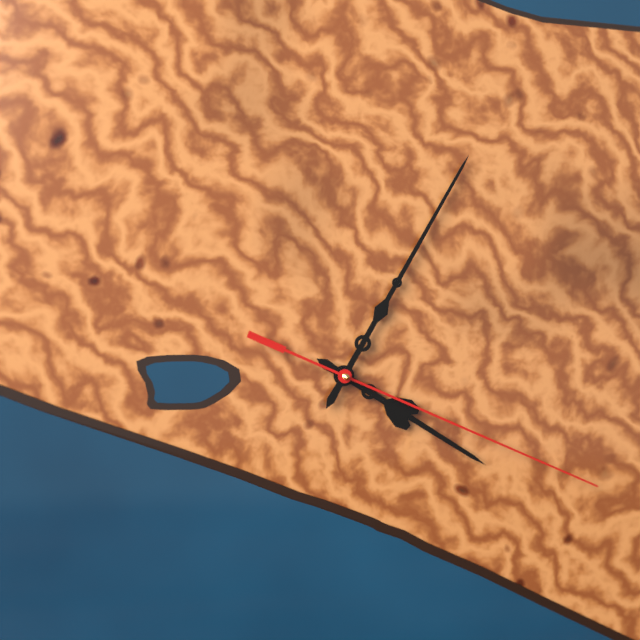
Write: 4 h 05 min 19 s
